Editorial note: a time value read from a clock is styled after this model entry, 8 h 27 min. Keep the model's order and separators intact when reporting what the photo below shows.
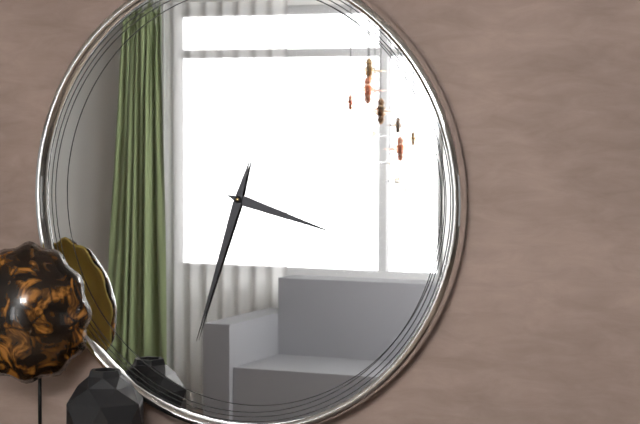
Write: 3 h 33 min
